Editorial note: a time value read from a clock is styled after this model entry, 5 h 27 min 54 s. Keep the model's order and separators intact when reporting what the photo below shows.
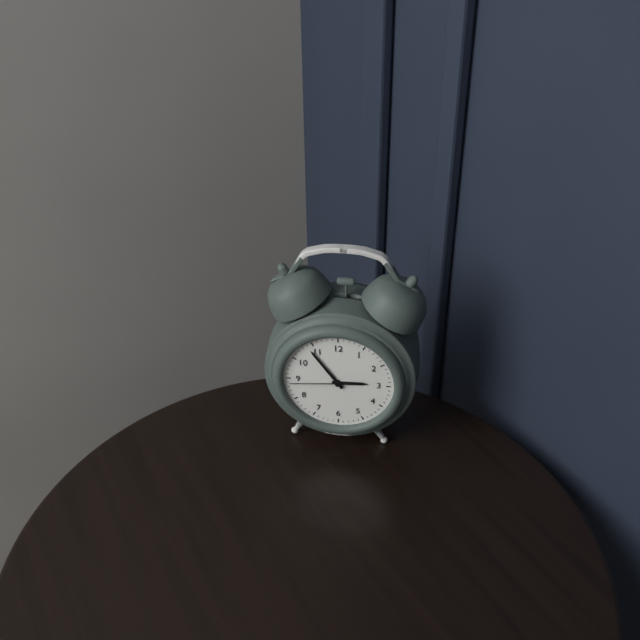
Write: 2 h 54 min 44 s
